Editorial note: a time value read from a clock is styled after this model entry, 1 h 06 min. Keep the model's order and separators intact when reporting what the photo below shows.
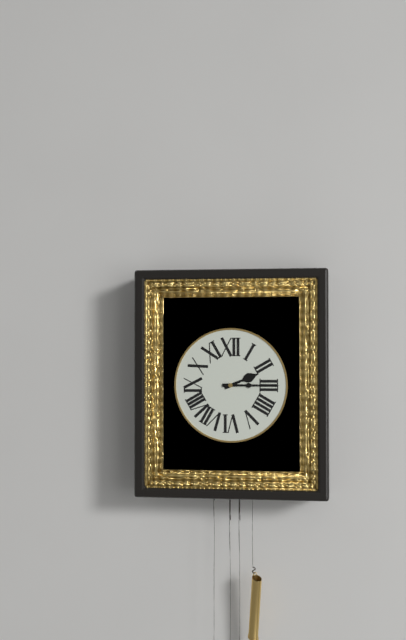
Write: 2 h 15 min
